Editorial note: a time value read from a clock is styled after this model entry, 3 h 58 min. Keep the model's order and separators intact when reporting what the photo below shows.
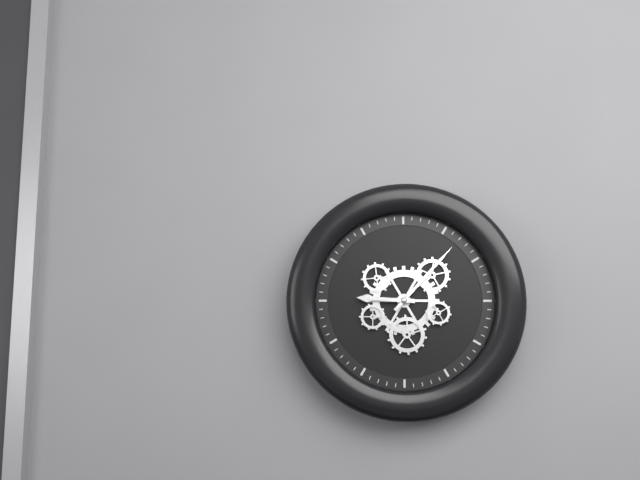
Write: 9 h 07 min
